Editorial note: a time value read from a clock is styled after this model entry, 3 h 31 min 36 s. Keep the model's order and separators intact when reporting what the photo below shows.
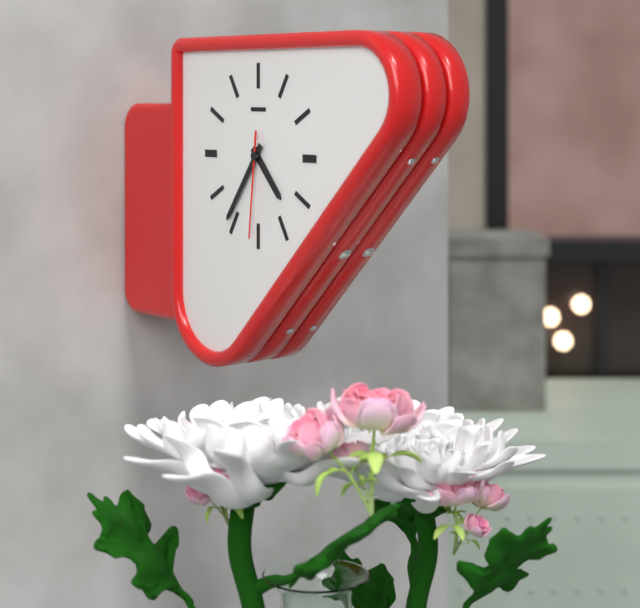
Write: 4 h 36 min 31 s
